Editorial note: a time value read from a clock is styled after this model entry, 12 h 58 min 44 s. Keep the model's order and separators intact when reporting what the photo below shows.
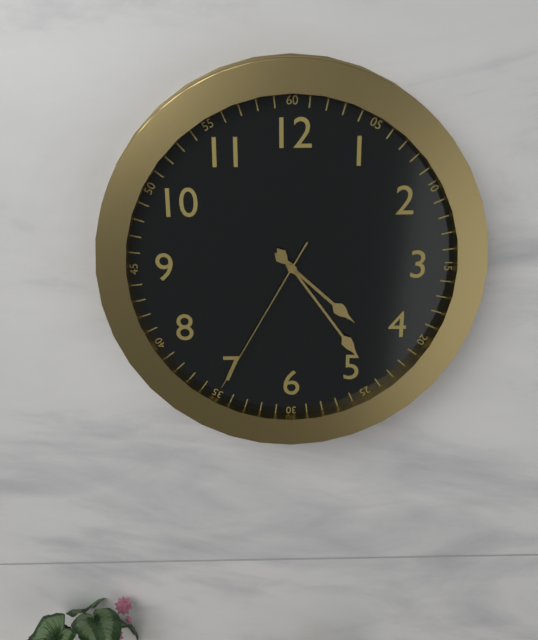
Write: 4 h 24 min 35 s
